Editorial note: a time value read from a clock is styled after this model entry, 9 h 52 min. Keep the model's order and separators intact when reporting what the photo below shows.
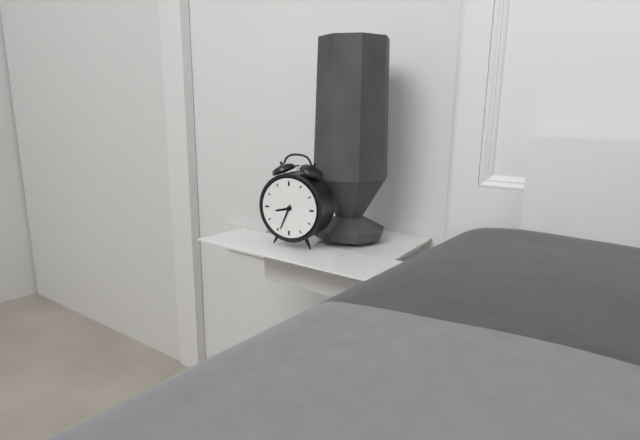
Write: 8 h 34 min
